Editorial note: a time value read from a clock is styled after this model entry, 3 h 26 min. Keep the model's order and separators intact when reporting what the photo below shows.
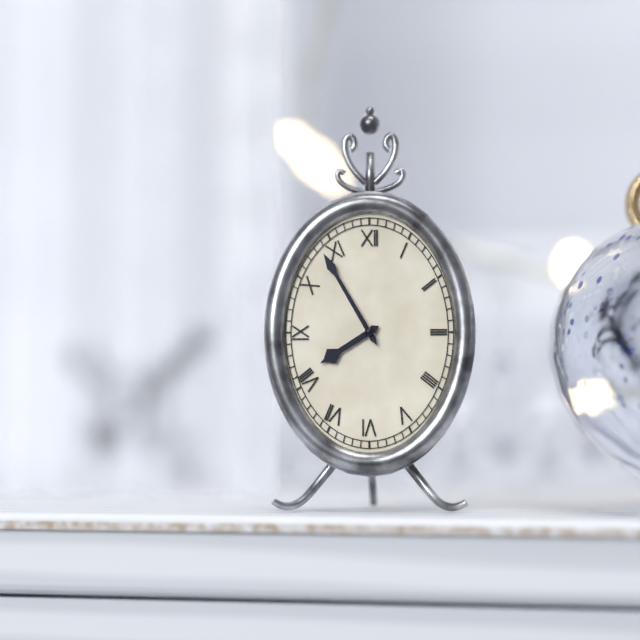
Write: 7 h 55 min
